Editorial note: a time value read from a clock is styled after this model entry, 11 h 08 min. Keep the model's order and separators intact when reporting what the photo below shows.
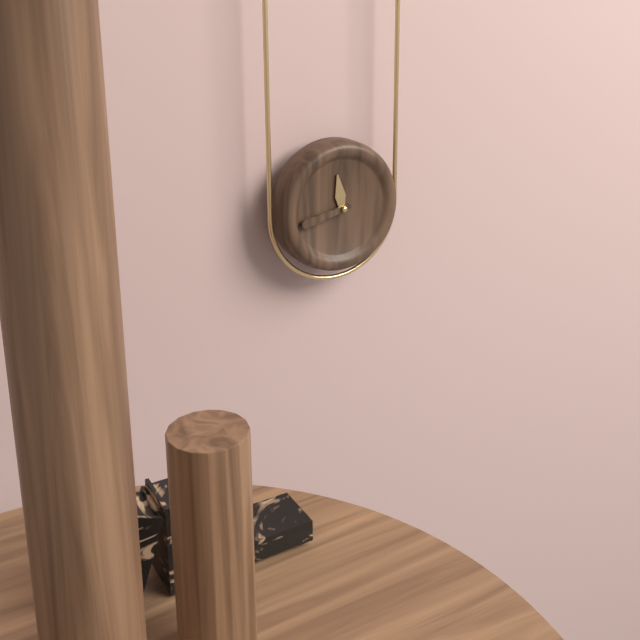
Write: 11 h 43 min
